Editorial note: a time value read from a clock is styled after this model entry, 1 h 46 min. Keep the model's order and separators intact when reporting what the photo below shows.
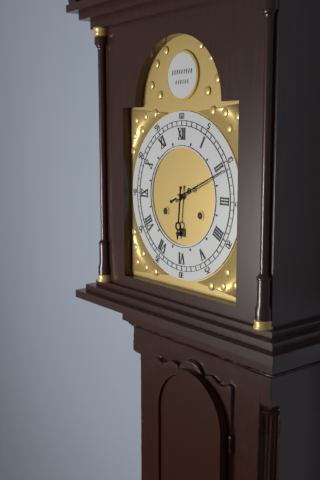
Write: 6 h 11 min
